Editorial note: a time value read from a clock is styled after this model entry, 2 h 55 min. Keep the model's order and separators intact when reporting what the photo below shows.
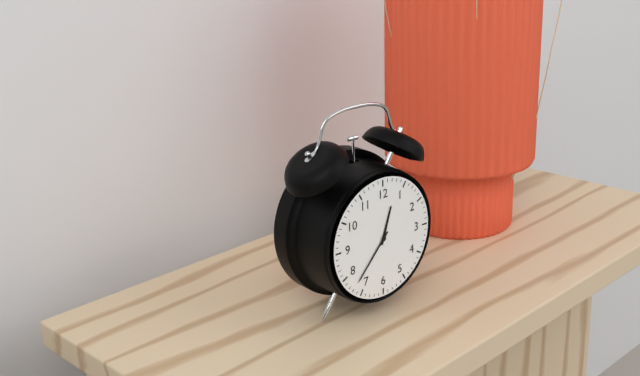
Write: 12 h 37 min
